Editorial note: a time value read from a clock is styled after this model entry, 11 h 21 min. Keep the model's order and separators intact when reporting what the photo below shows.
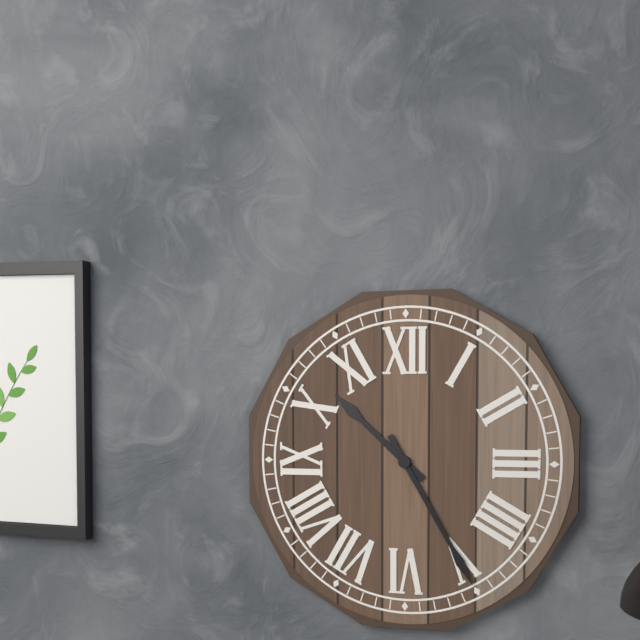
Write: 10 h 25 min
